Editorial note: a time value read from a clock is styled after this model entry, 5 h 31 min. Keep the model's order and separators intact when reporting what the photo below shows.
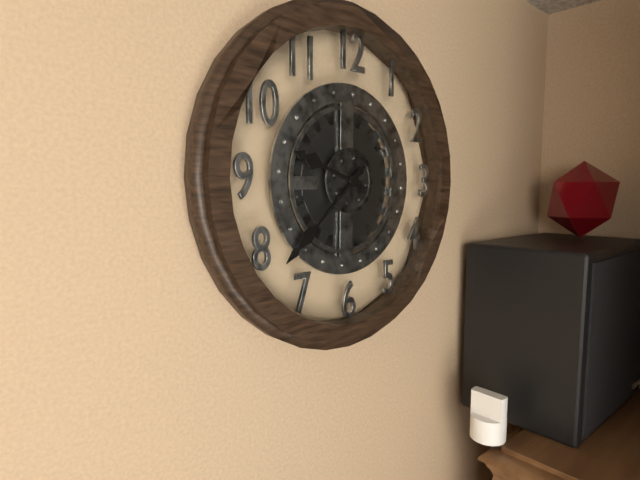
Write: 9 h 38 min
